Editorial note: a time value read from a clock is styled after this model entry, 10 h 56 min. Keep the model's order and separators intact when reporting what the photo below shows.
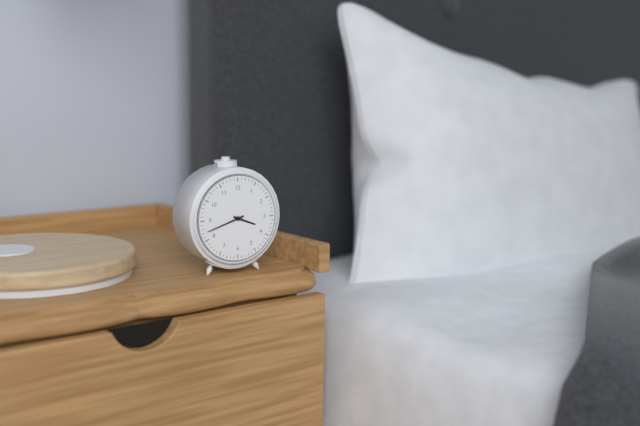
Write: 3 h 42 min
